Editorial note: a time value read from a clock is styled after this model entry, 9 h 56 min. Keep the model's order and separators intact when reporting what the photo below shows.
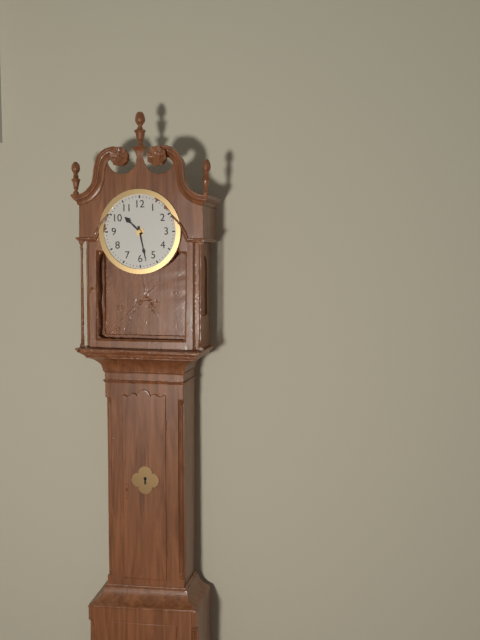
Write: 10 h 28 min
